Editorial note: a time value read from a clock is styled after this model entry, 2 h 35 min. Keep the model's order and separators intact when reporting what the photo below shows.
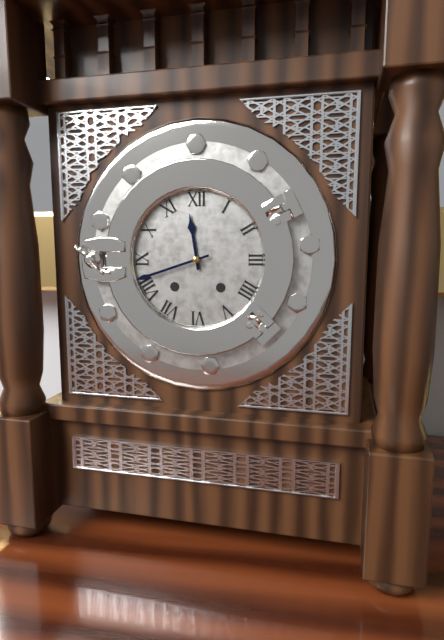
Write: 11 h 42 min
